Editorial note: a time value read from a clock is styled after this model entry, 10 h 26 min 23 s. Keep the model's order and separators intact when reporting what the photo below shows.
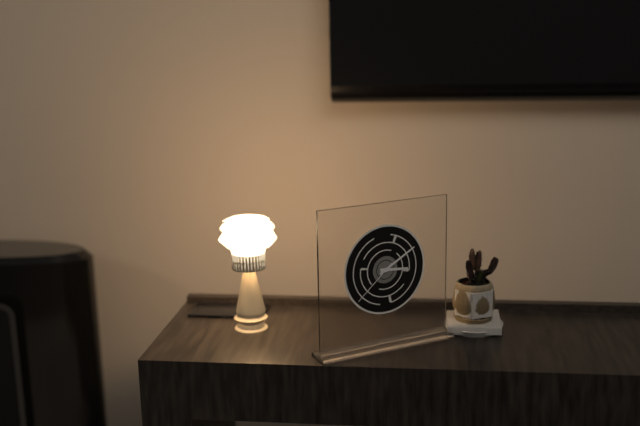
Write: 3 h 10 min 38 s
